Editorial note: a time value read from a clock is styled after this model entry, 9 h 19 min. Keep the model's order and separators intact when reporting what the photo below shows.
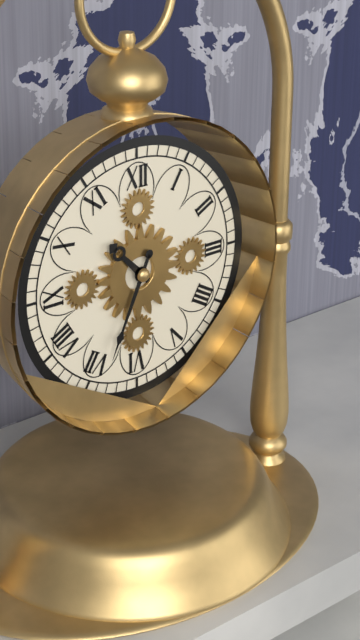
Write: 10 h 34 min
